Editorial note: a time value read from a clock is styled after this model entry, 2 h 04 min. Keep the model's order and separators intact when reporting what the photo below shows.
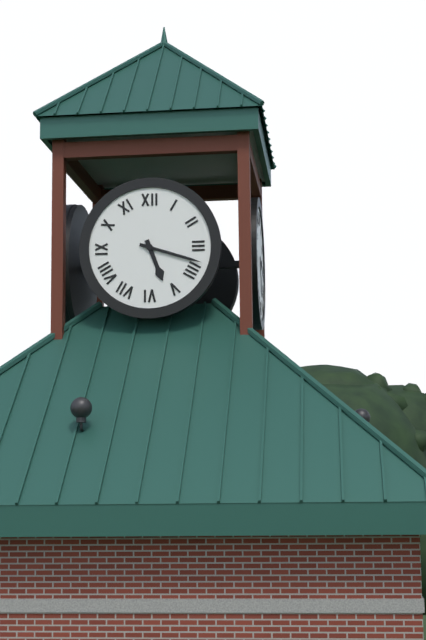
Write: 5 h 18 min
